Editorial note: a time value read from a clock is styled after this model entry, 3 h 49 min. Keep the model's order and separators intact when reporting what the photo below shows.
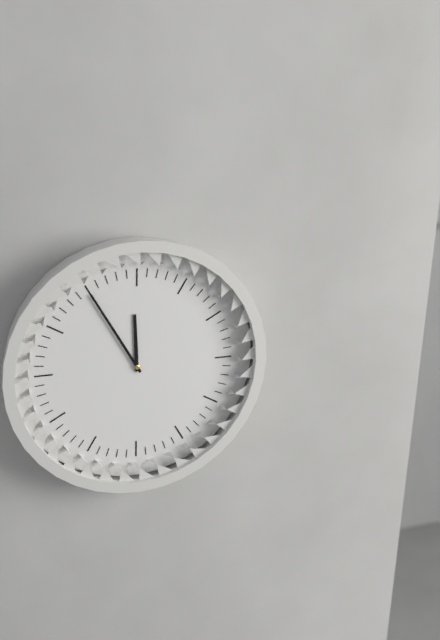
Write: 11 h 55 min
